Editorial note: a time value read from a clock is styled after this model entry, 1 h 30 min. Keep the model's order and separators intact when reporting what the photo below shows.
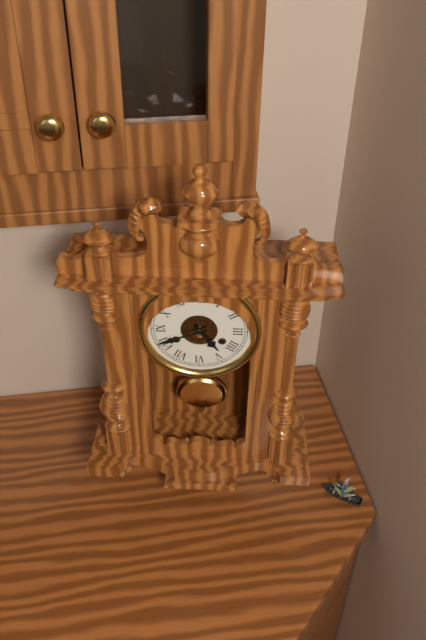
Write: 4 h 41 min
